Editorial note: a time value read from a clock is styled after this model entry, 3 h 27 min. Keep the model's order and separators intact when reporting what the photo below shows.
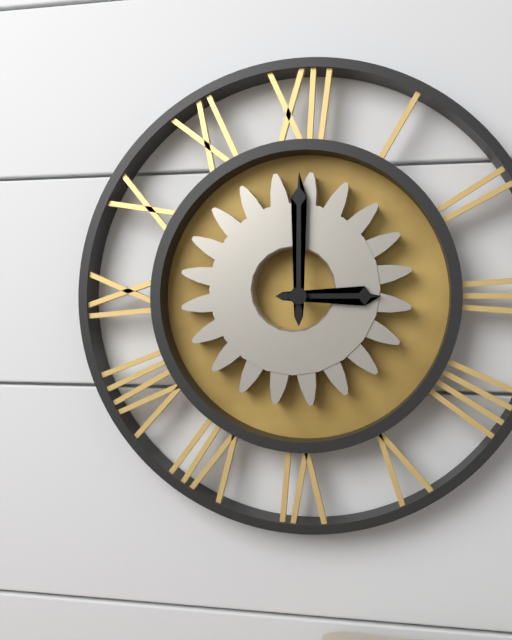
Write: 3 h 00 min
